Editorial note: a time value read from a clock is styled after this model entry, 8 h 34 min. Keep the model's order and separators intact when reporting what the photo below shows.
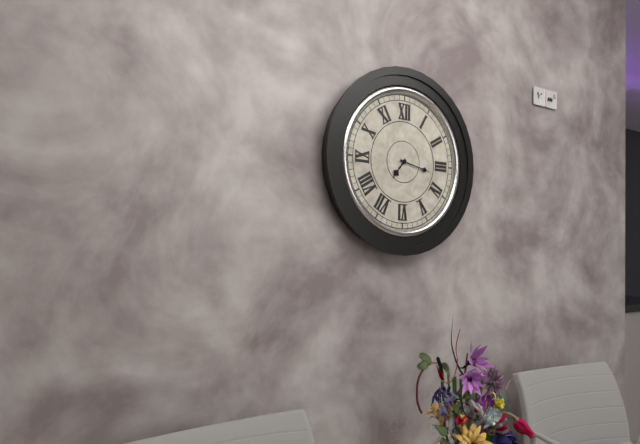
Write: 7 h 17 min
